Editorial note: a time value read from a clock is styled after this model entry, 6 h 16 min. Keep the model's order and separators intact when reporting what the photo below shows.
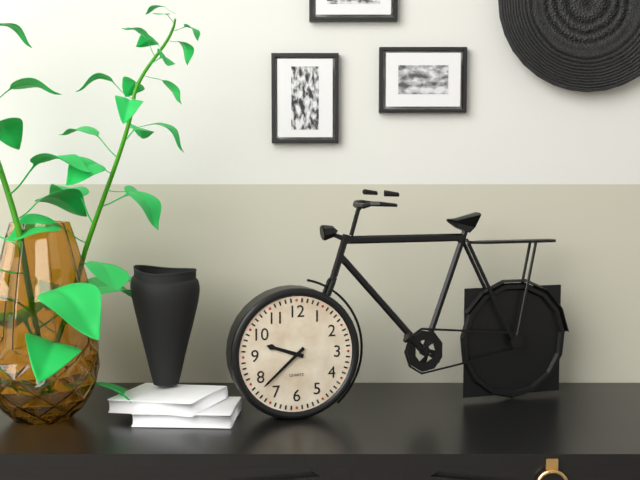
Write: 9 h 38 min
